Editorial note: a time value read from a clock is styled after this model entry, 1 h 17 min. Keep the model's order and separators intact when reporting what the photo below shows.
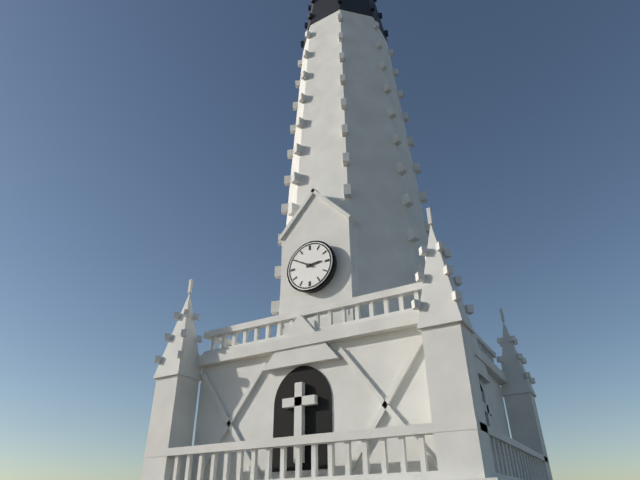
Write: 2 h 50 min
